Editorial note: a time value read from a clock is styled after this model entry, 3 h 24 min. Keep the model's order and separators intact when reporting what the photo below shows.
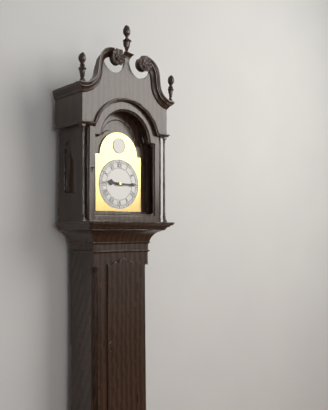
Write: 9 h 15 min
